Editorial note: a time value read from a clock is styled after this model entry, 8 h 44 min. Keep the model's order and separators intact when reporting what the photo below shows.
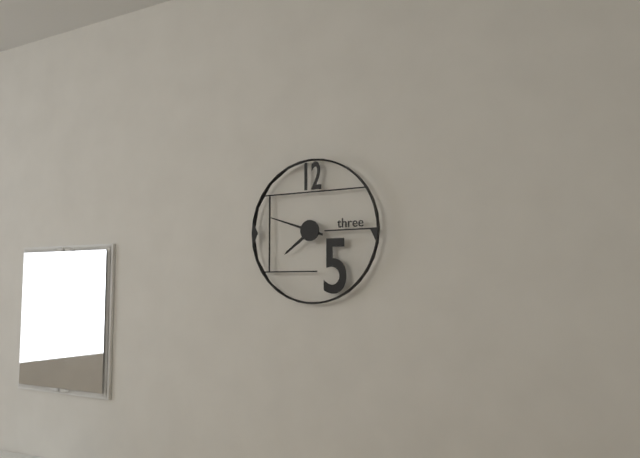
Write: 7 h 48 min
